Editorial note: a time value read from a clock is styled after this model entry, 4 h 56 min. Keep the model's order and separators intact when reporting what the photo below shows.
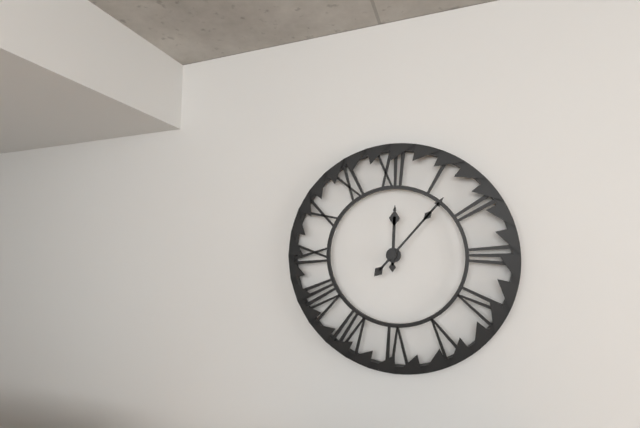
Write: 12 h 07 min
